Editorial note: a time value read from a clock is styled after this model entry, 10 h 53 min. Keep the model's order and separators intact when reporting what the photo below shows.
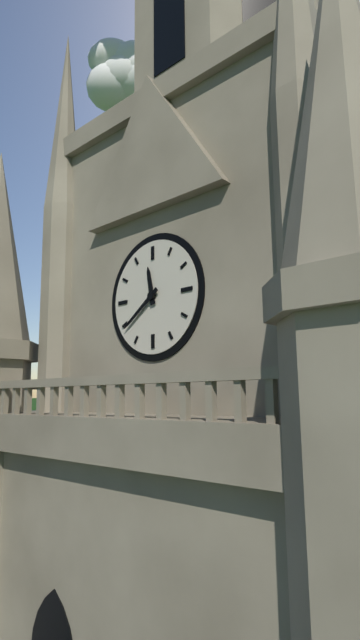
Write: 11 h 39 min
